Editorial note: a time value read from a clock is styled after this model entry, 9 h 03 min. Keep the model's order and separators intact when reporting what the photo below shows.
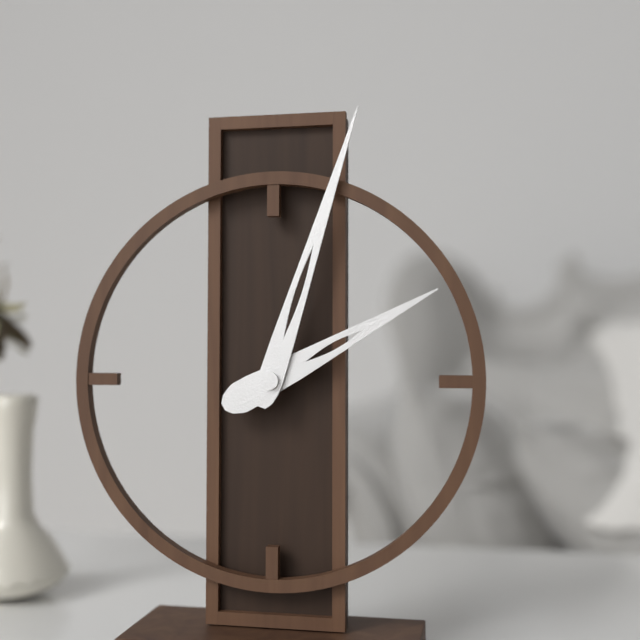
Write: 2 h 03 min
